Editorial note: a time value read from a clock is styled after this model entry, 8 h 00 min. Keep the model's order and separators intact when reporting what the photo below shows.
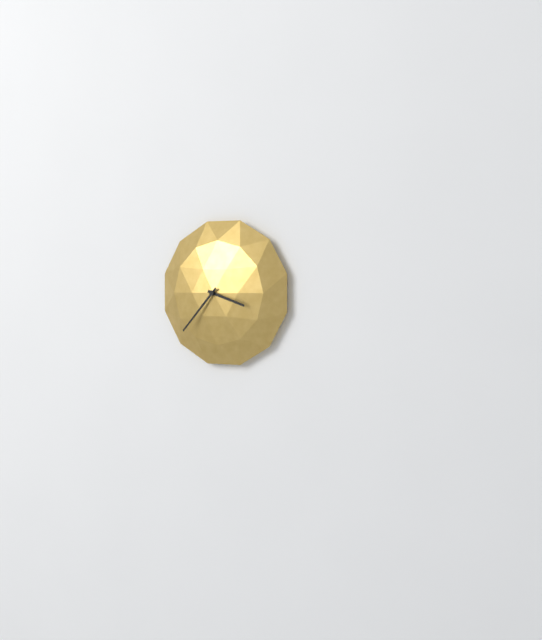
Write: 3 h 37 min
